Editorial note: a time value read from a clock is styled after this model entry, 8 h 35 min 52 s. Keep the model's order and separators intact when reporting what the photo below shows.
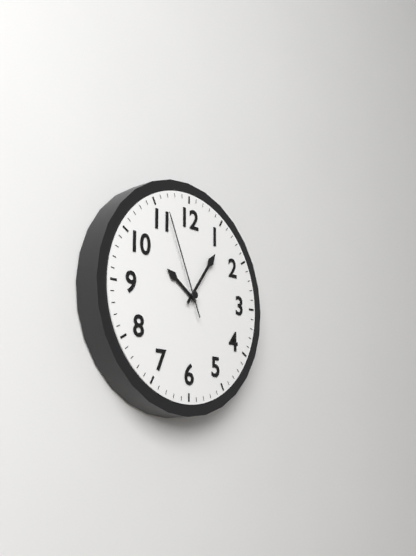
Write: 10 h 06 min 56 s
